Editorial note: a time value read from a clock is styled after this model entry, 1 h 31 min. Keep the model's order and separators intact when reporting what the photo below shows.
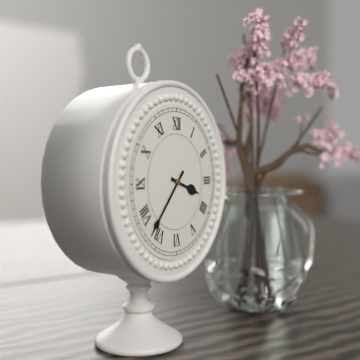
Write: 3 h 37 min
